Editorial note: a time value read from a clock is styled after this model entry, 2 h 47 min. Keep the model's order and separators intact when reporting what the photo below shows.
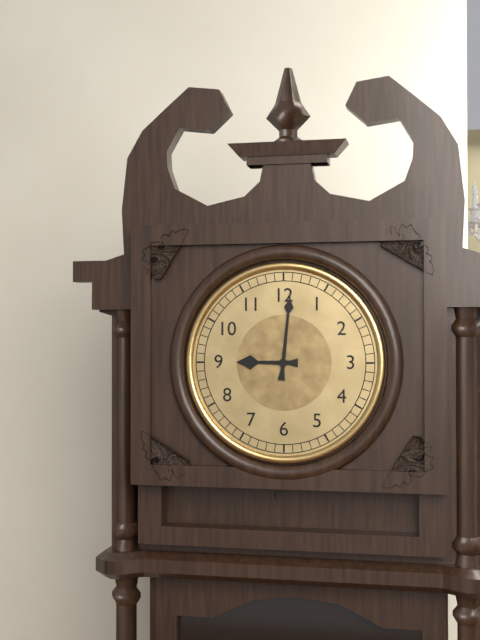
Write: 9 h 01 min
